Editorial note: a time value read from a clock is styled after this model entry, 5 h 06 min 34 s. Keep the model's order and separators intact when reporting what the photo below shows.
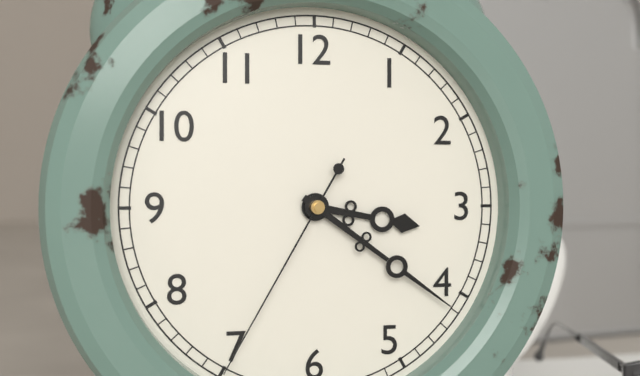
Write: 3 h 21 min 35 s
